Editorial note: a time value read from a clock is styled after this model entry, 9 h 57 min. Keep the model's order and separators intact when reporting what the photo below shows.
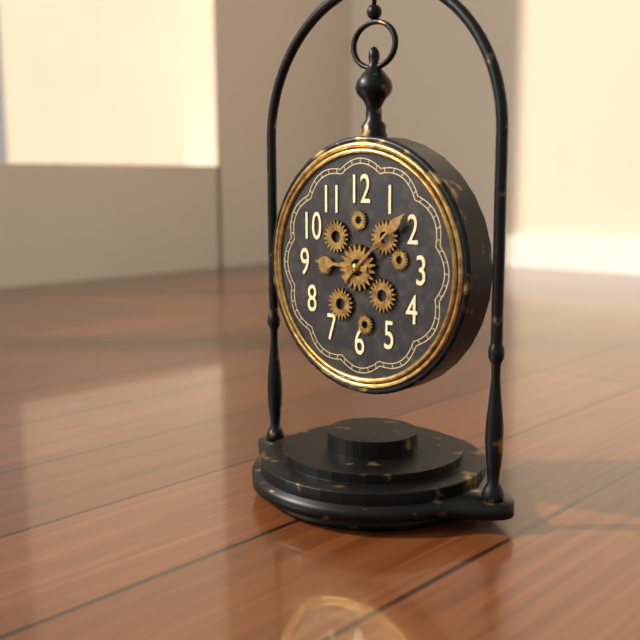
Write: 9 h 08 min
